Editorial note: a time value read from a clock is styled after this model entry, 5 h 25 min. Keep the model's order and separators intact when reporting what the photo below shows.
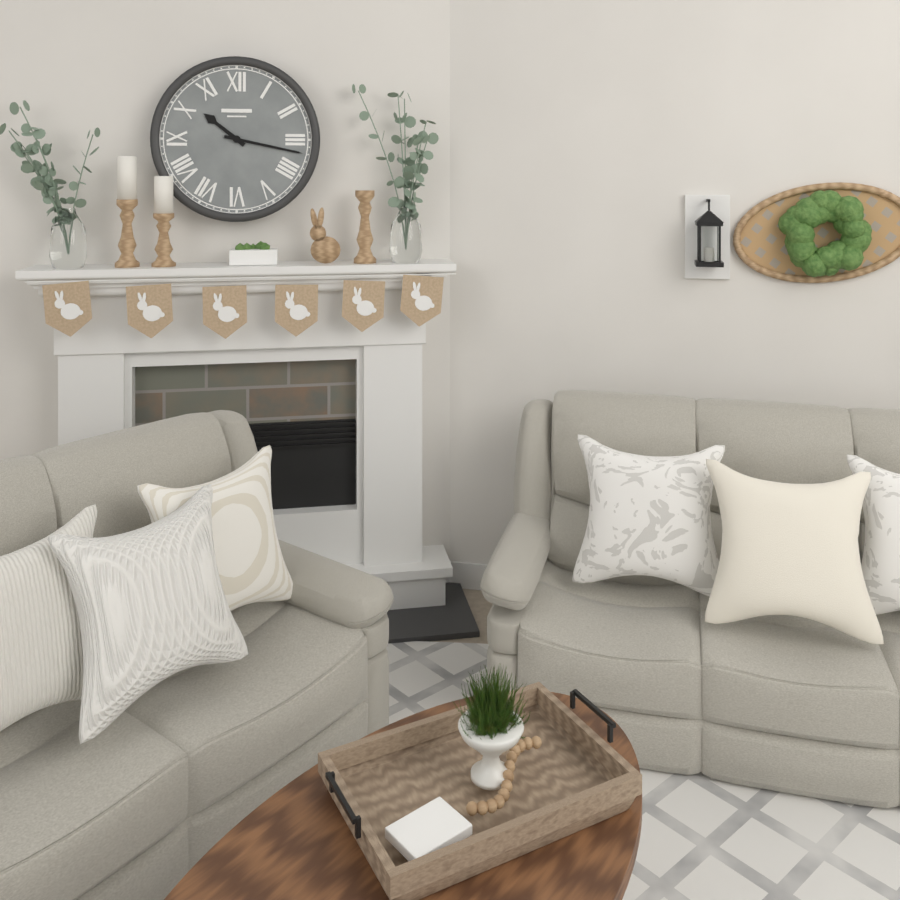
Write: 10 h 17 min
